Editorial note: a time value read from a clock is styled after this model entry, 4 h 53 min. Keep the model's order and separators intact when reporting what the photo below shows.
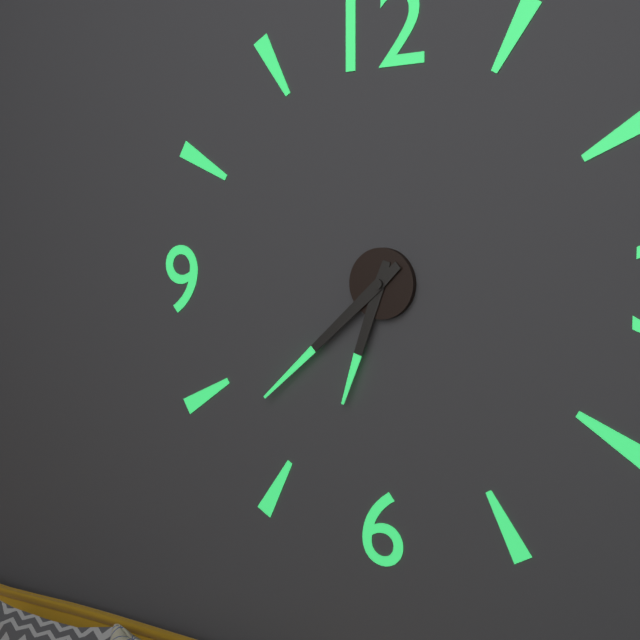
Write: 6 h 38 min
